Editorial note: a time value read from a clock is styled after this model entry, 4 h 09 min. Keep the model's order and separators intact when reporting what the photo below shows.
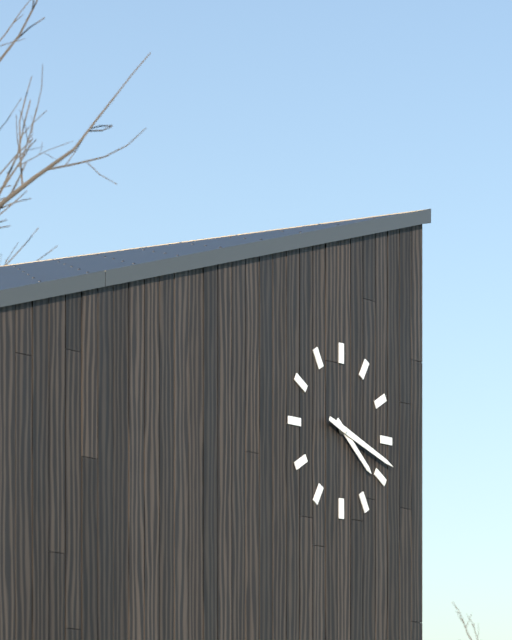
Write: 4 h 18 min
